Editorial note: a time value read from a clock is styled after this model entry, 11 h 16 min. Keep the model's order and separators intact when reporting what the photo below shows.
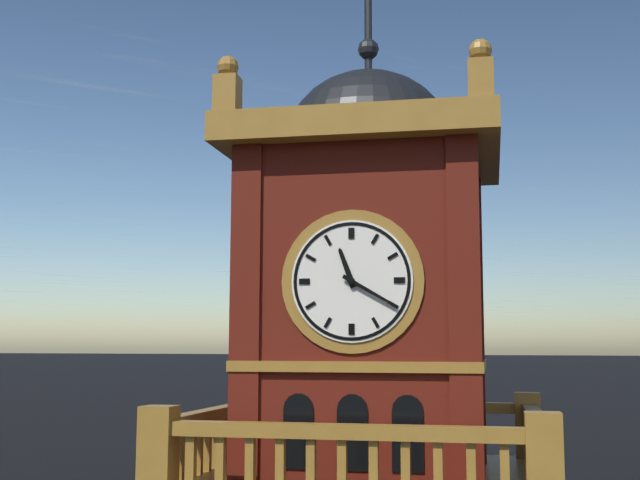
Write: 11 h 20 min
